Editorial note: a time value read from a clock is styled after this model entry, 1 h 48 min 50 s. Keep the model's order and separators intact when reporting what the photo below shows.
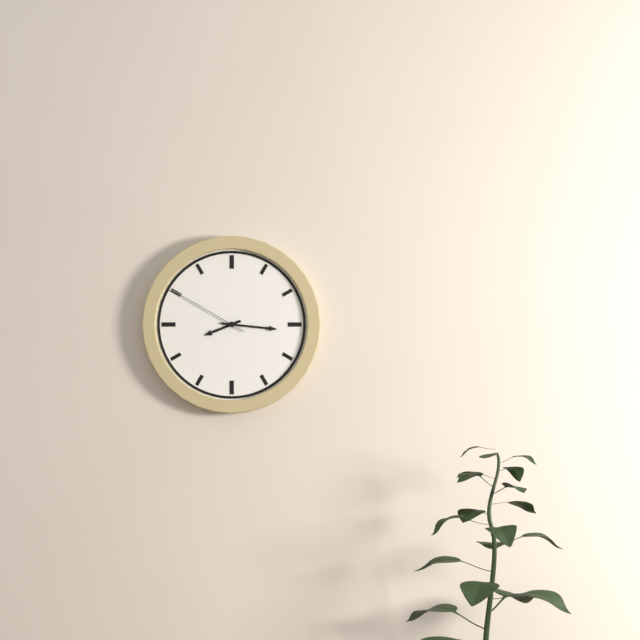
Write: 8 h 16 min 50 s
